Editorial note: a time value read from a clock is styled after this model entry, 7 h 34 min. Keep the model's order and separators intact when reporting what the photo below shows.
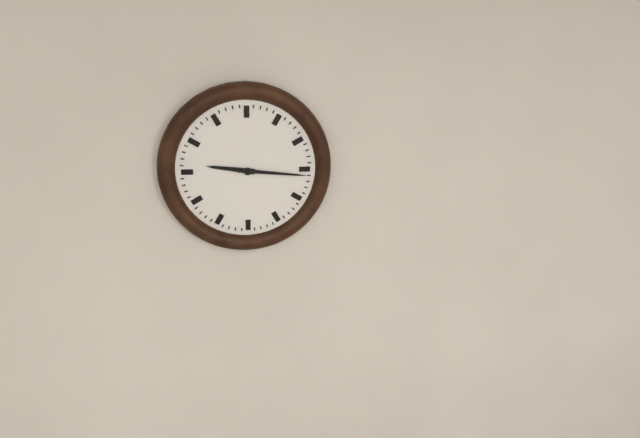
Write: 9 h 16 min
